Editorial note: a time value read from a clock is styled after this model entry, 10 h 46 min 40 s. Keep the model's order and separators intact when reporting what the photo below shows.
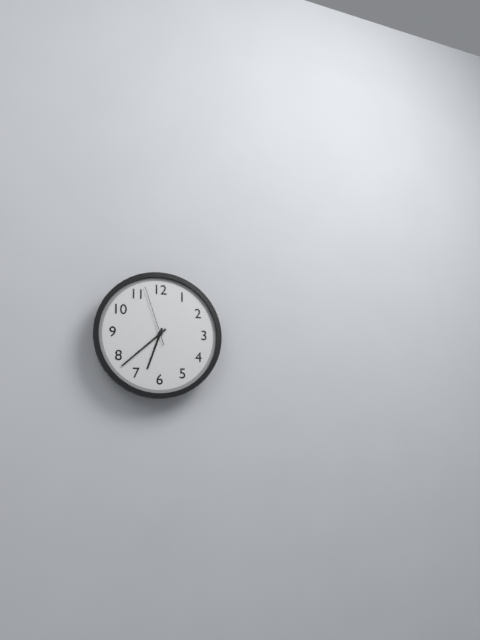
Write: 6 h 38 min 57 s
